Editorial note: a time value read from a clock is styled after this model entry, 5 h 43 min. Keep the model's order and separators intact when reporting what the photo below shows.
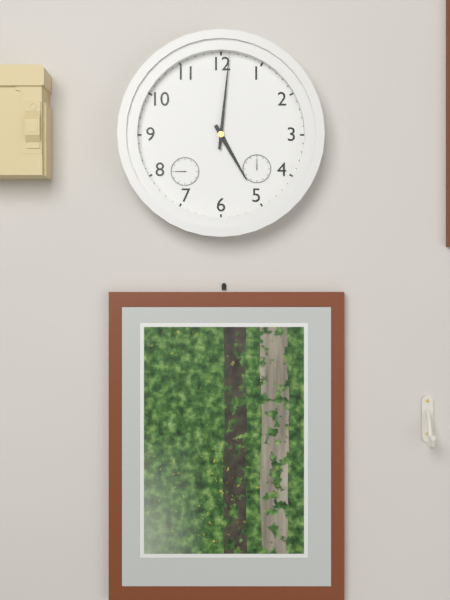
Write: 5 h 01 min
